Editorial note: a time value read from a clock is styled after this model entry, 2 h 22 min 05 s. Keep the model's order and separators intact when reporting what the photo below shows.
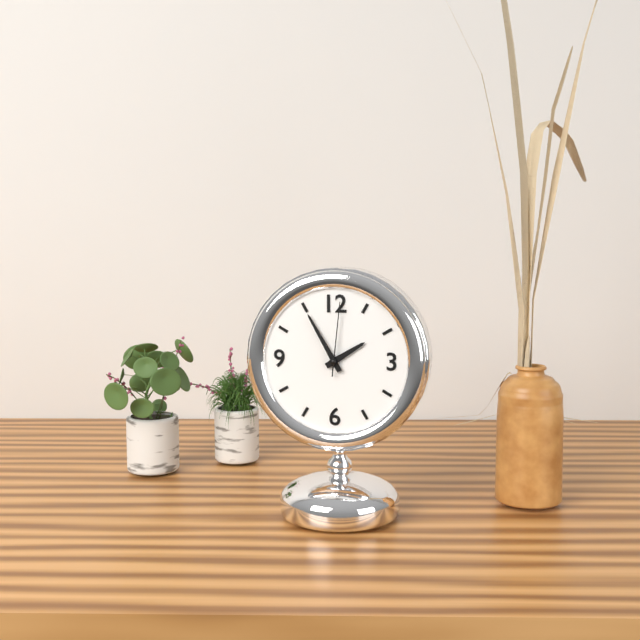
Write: 1 h 55 min 01 s
